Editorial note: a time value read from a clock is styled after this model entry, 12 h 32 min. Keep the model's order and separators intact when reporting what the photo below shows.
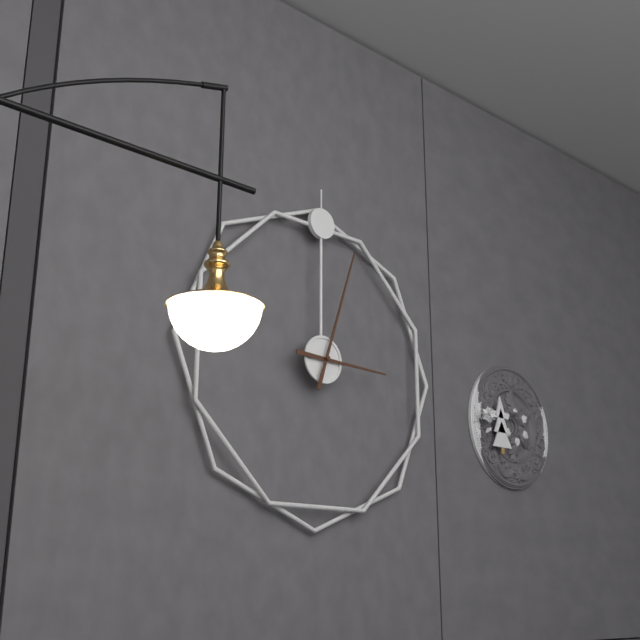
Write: 3 h 03 min
